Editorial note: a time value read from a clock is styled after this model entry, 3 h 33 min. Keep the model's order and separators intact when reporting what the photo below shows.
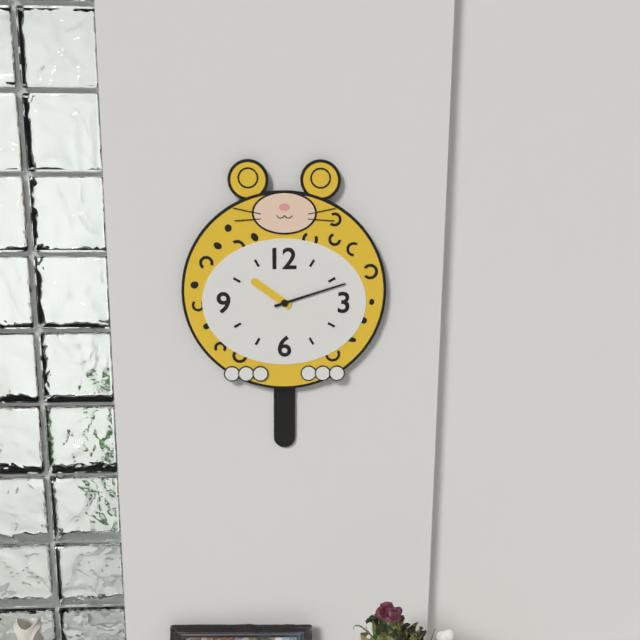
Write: 10 h 12 min
